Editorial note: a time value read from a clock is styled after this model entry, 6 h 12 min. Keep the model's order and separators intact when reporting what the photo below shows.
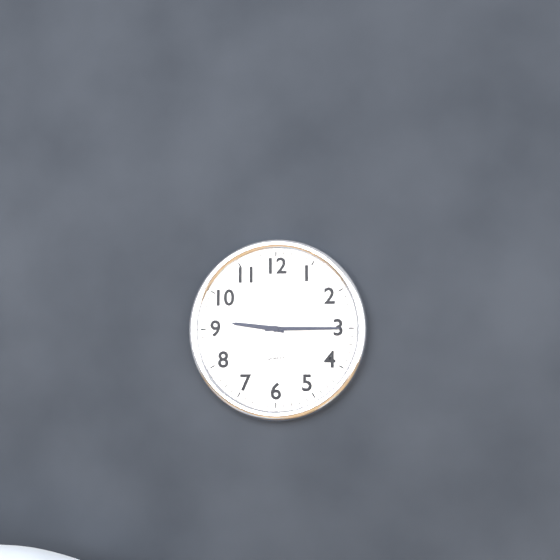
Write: 9 h 15 min
